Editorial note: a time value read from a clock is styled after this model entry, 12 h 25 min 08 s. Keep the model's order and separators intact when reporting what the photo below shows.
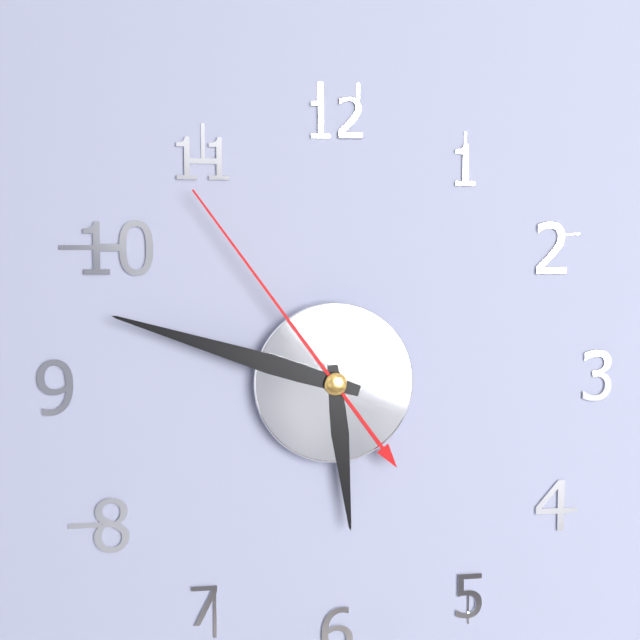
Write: 5 h 48 min 54 s
